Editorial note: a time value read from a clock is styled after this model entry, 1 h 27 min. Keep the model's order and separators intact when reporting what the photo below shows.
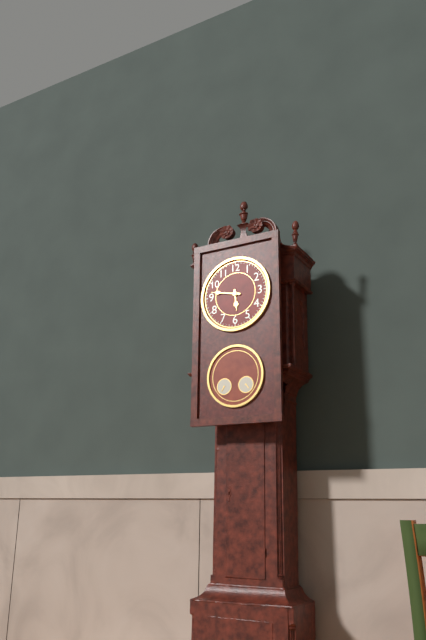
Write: 5 h 47 min
